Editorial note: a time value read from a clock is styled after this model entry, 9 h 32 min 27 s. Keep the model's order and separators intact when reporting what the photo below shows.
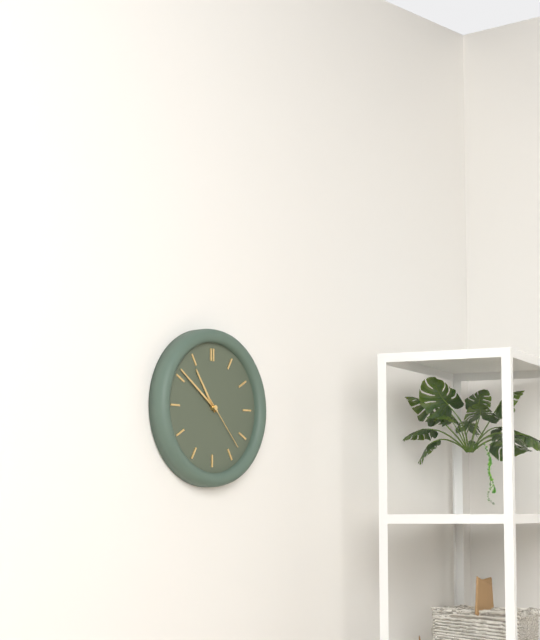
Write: 10 h 51 min 23 s
